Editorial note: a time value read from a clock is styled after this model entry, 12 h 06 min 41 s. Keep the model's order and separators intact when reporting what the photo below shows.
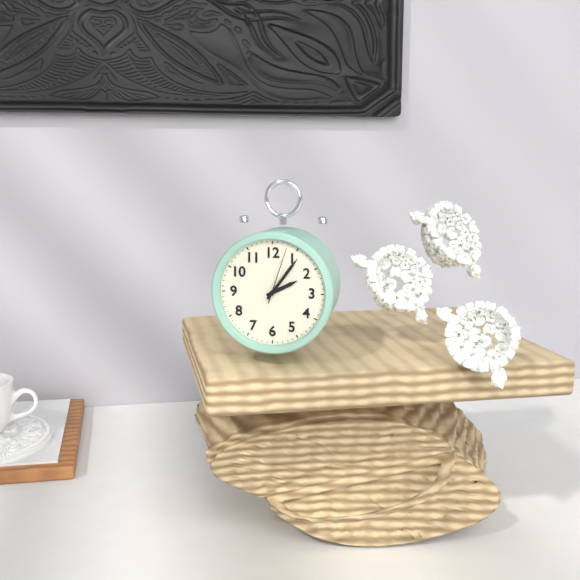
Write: 2 h 06 min 03 s
